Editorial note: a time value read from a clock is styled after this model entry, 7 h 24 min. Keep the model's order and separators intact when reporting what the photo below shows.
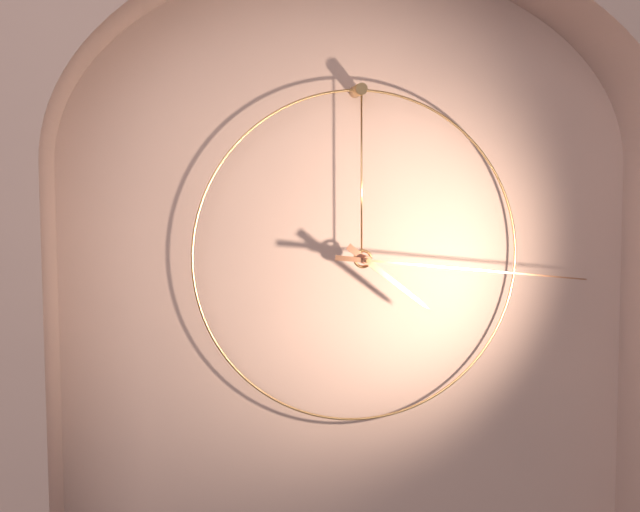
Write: 4 h 16 min
